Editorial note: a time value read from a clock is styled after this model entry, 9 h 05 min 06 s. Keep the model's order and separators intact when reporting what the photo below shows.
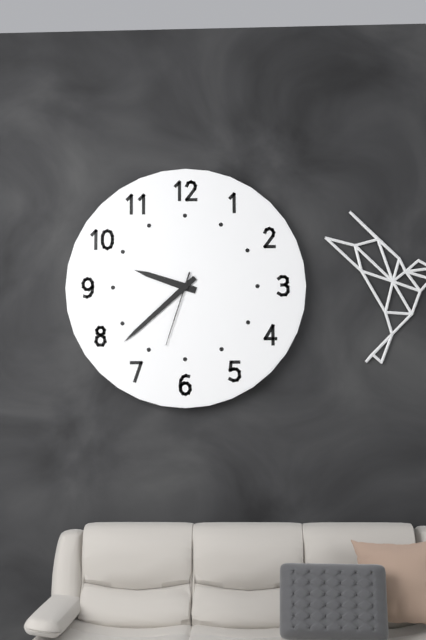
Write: 9 h 38 min 33 s
